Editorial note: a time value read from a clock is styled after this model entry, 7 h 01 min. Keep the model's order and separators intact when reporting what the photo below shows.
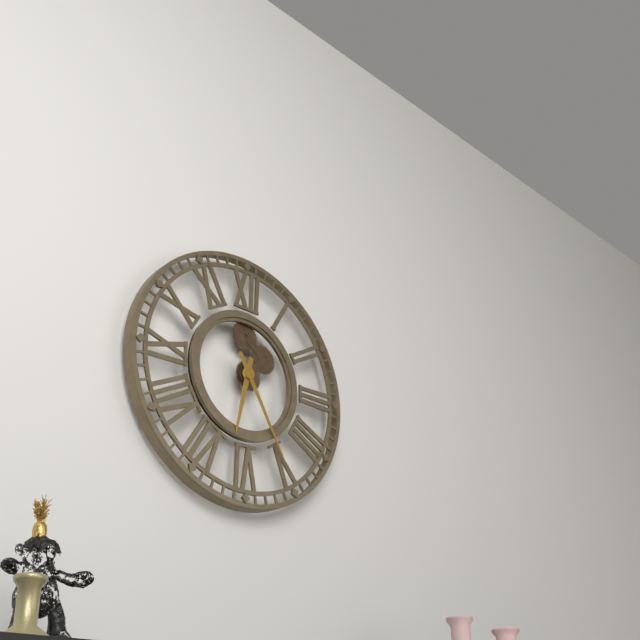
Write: 6 h 25 min
